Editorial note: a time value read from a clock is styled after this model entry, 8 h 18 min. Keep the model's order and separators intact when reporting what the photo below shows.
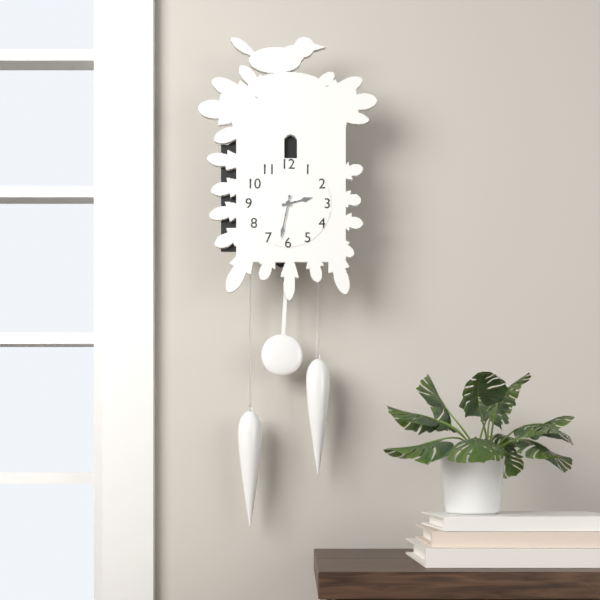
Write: 2 h 32 min
